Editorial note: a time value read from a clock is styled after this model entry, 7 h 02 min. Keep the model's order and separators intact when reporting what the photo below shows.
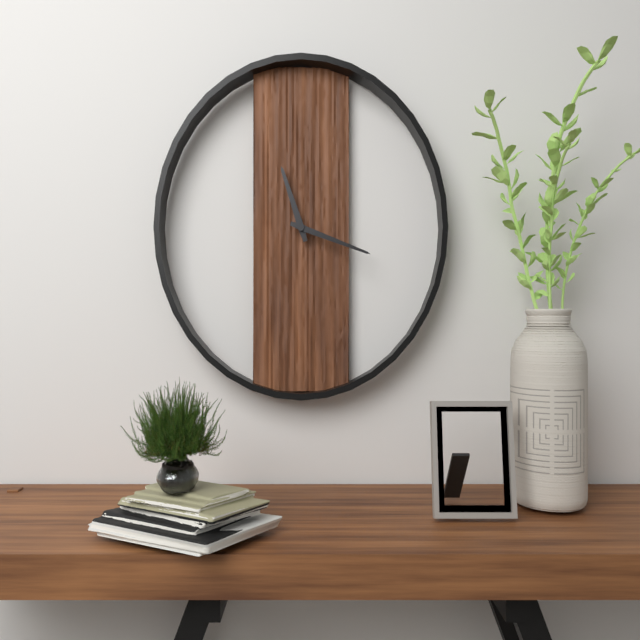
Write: 11 h 18 min
